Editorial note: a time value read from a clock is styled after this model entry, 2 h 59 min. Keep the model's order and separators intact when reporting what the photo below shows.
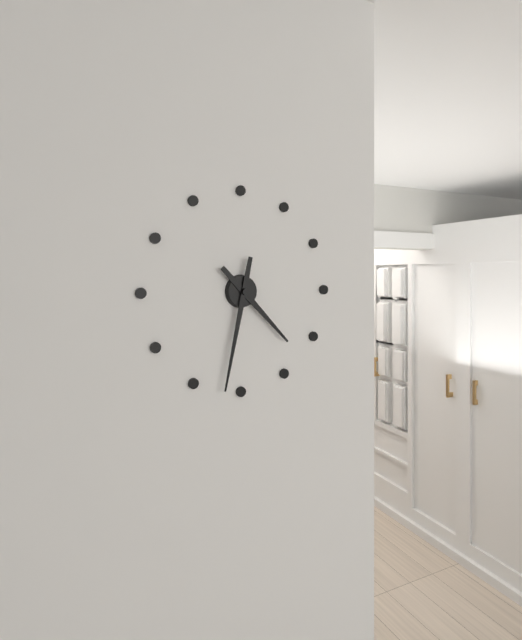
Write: 4 h 32 min
